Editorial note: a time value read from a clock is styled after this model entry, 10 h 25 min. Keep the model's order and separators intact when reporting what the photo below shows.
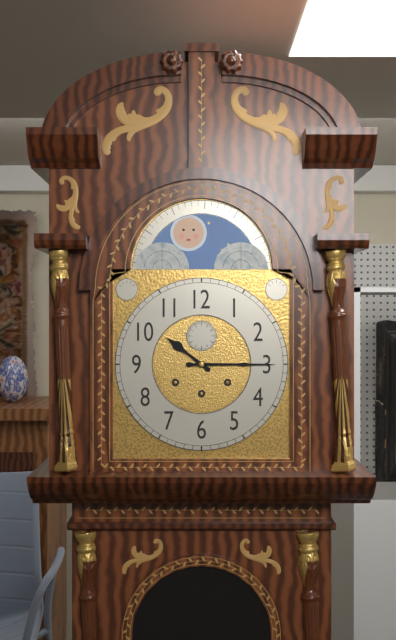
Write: 10 h 15 min
